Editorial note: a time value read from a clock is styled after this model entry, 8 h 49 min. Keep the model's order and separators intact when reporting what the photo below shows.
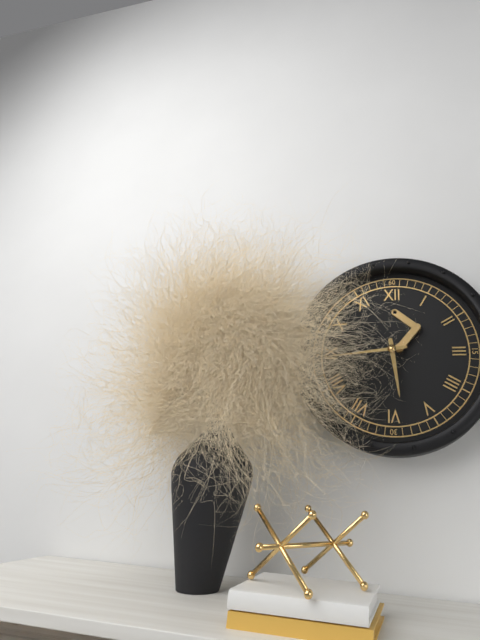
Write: 5 h 44 min
